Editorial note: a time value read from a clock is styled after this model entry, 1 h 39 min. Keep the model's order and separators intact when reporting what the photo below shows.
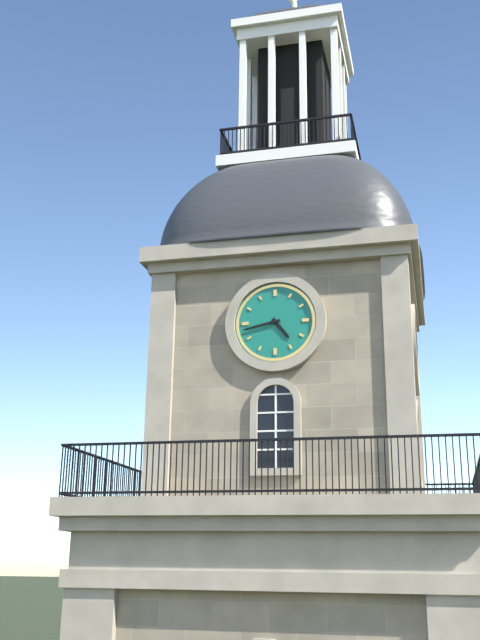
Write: 4 h 43 min
